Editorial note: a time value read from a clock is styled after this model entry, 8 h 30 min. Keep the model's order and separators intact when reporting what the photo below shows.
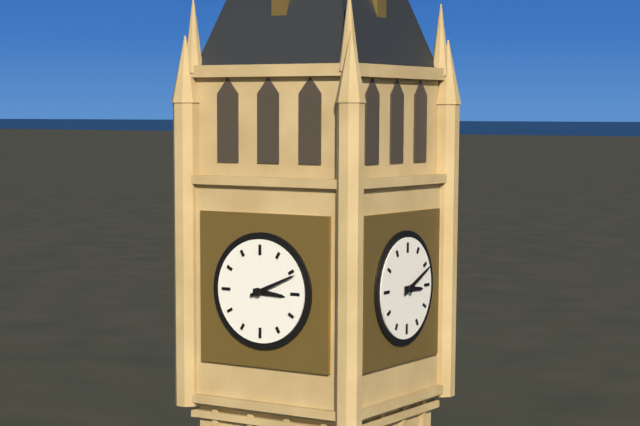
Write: 3 h 11 min
